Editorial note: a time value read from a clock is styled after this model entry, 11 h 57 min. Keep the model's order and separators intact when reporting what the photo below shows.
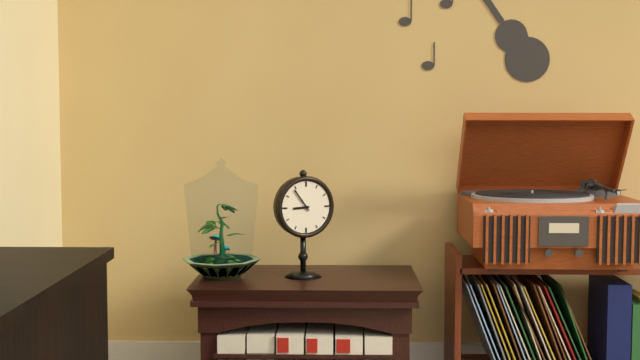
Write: 8 h 54 min
